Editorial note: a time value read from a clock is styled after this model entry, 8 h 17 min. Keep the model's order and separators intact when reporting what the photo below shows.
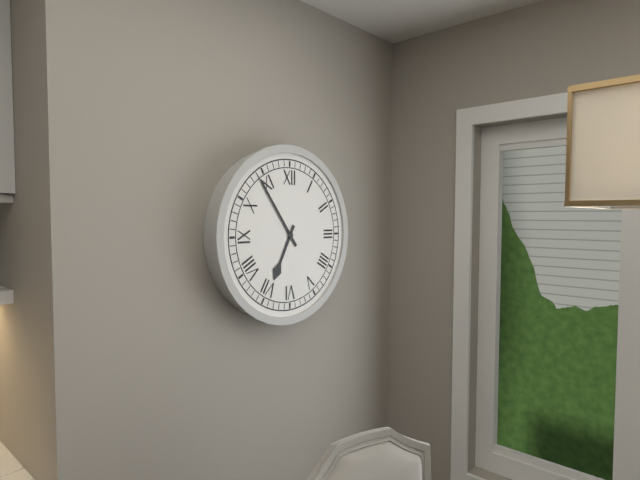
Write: 6 h 54 min
